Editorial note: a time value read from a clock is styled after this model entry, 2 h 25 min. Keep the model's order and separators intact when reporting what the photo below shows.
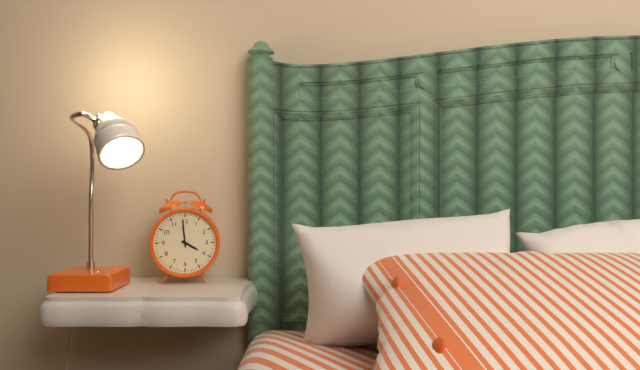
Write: 3 h 59 min
